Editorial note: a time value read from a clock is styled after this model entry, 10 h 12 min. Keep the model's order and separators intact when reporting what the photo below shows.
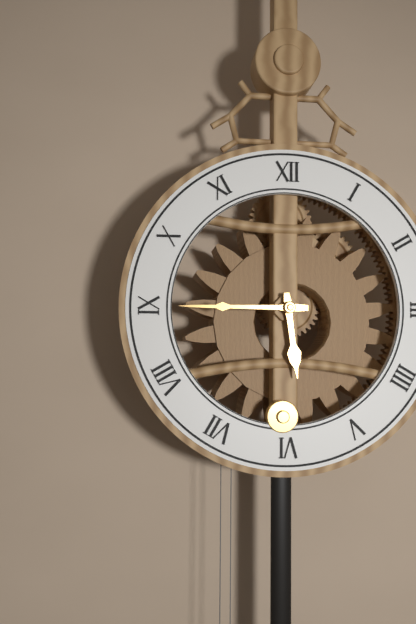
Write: 5 h 45 min
